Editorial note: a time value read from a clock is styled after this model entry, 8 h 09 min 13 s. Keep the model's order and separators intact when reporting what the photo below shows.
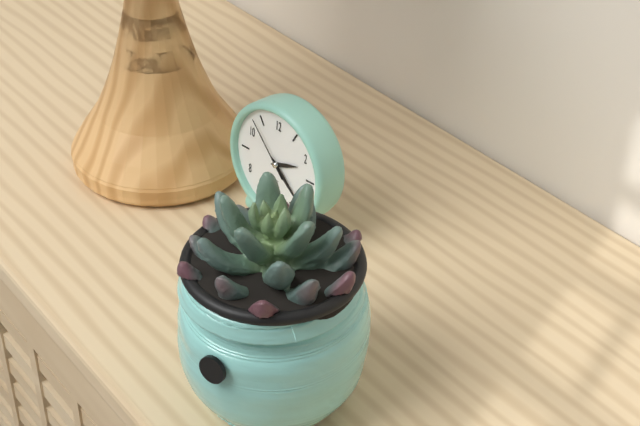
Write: 2 h 22 min 53 s
